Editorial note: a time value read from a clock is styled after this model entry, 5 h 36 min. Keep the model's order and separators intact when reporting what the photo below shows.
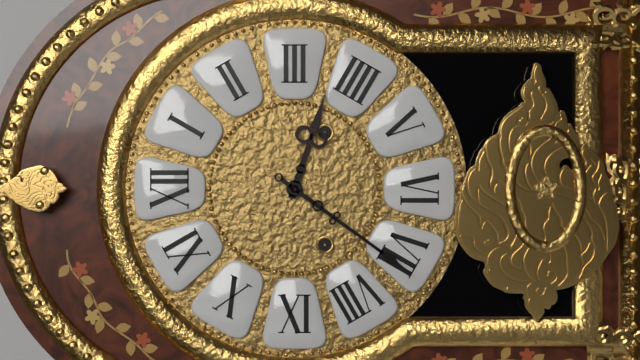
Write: 3 h 36 min
